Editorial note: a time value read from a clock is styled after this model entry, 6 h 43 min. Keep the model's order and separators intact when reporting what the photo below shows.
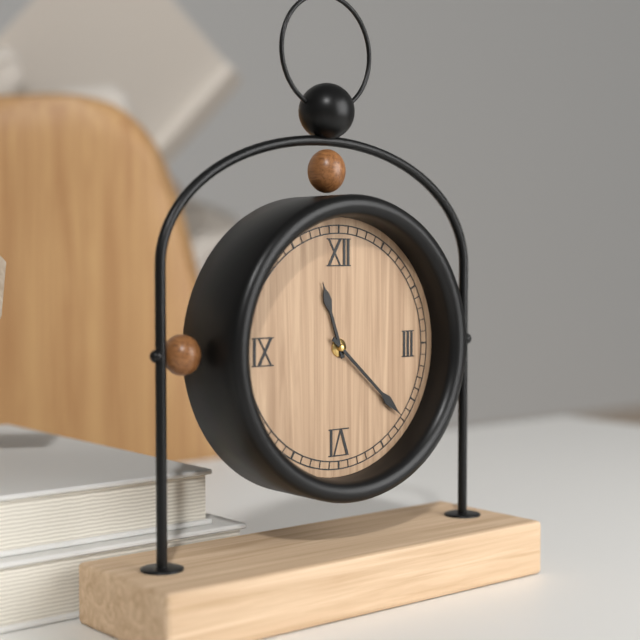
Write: 11 h 22 min
